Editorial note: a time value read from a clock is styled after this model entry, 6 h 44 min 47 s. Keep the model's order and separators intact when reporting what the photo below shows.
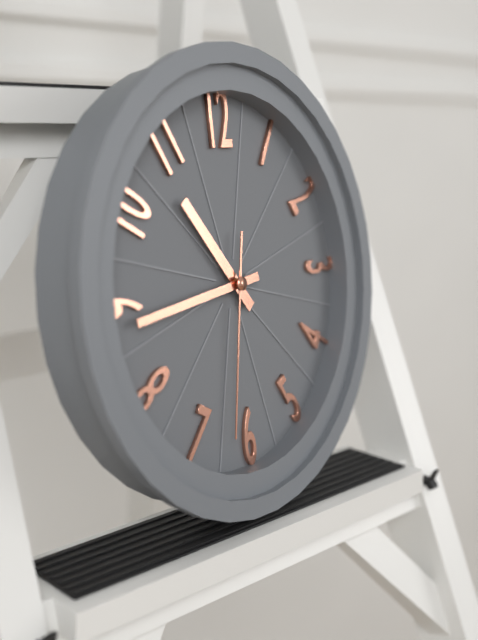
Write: 10 h 44 min 32 s
